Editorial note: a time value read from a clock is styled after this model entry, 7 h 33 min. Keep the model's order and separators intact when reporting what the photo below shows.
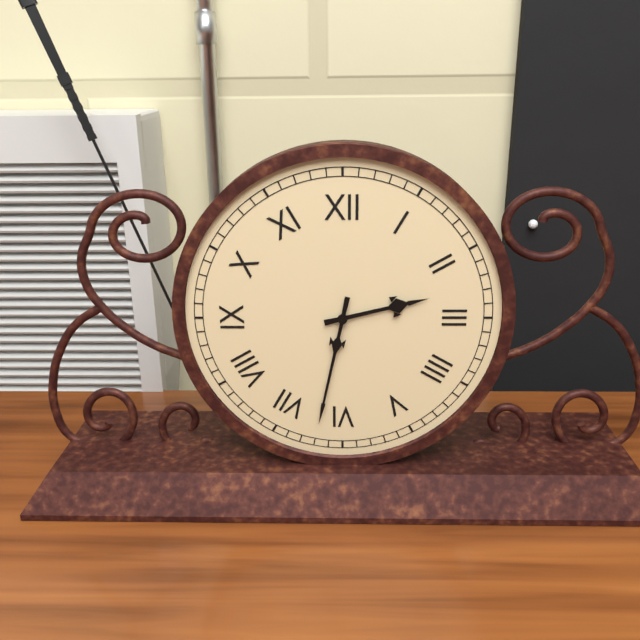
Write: 2 h 32 min
